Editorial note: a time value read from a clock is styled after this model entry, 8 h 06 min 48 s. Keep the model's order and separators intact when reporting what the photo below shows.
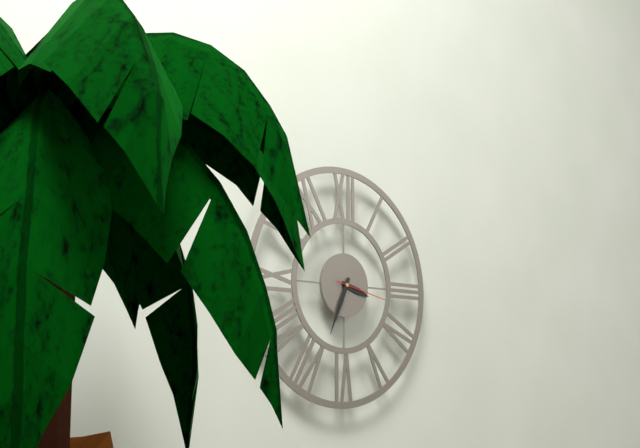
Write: 3 h 34 min 17 s
